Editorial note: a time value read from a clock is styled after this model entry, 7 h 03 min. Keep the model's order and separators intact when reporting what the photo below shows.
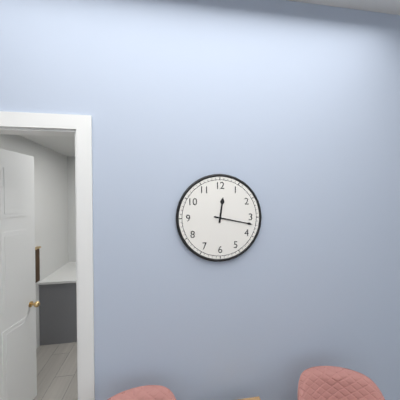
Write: 12 h 17 min
